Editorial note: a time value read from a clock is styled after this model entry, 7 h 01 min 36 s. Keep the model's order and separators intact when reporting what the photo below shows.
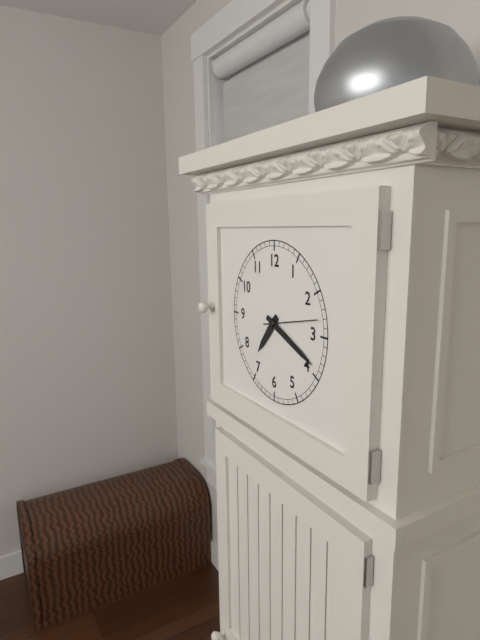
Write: 7 h 19 min 13 s
